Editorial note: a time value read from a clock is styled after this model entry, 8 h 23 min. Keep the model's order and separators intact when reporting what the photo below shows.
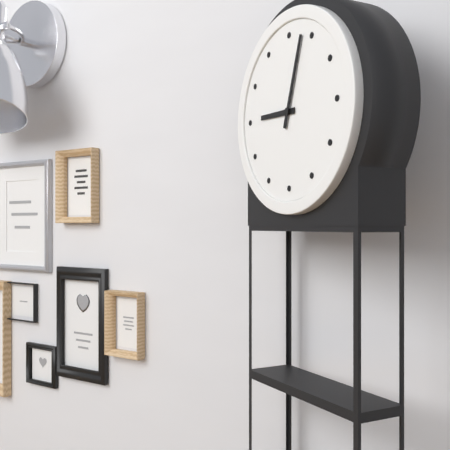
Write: 9 h 03 min
